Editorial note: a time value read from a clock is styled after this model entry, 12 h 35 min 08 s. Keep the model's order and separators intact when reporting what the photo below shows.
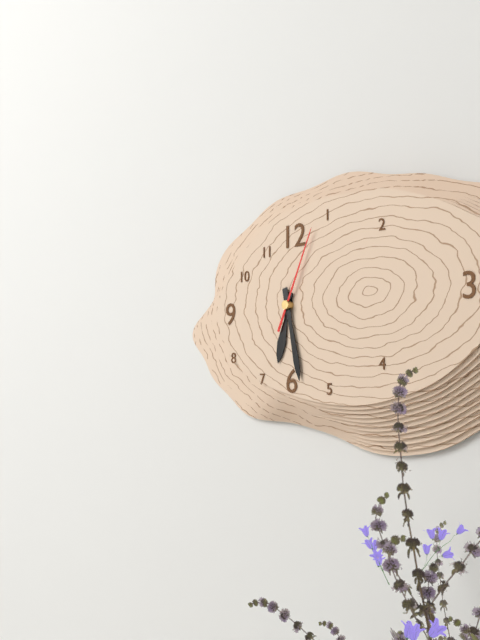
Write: 6 h 28 min 04 s
